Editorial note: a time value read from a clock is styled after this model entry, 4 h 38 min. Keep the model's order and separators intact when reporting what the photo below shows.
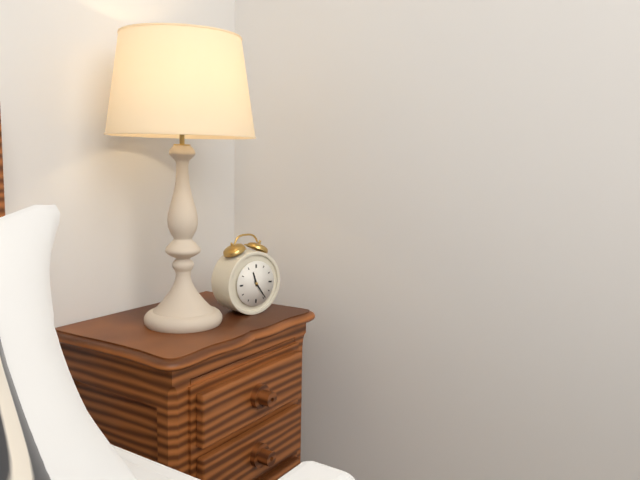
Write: 11 h 24 min
